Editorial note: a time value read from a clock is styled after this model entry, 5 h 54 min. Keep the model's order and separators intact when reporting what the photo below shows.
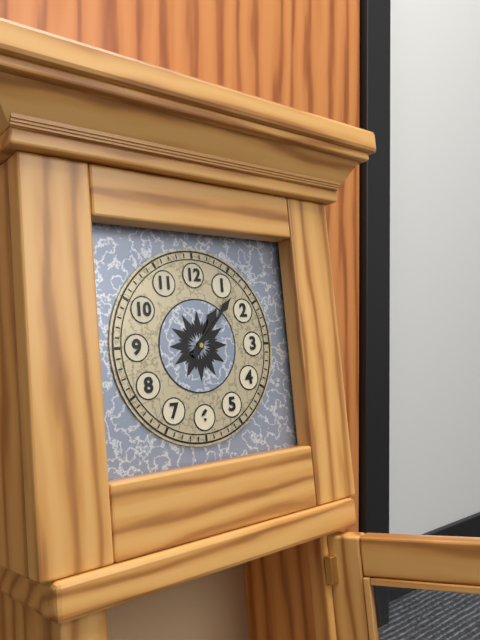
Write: 1 h 07 min
